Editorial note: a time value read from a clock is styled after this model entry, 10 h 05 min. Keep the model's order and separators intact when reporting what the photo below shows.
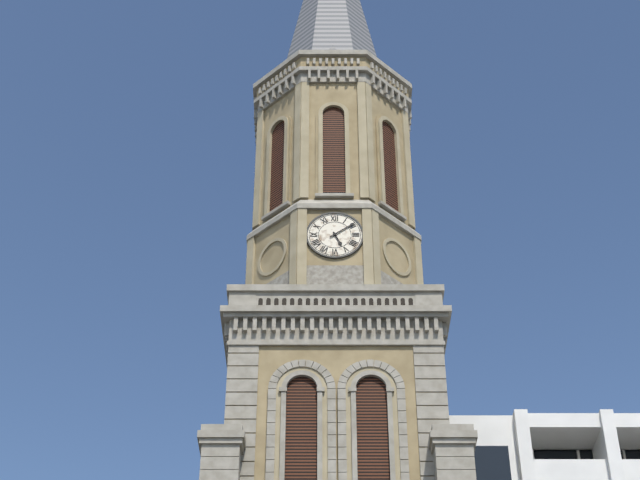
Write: 5 h 09 min
